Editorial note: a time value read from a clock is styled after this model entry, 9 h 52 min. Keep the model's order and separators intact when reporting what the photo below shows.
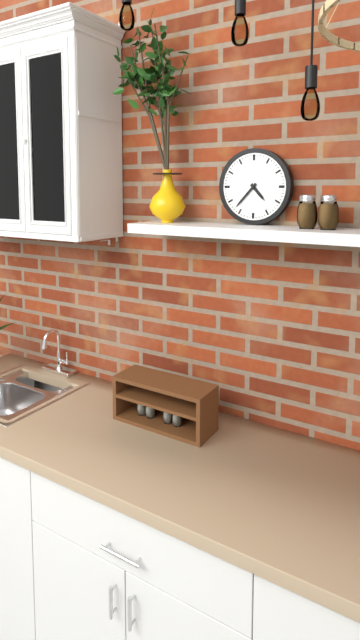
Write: 4 h 37 min
